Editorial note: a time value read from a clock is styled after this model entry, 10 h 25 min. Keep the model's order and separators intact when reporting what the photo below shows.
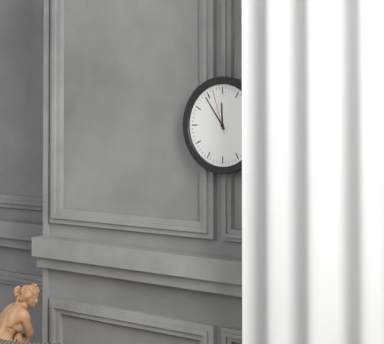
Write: 11 h 54 min
